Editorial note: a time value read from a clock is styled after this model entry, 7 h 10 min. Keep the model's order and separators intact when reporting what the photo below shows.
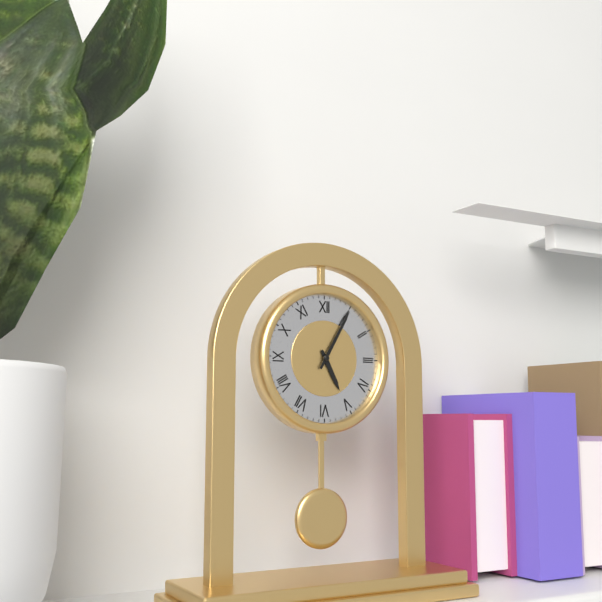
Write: 5 h 05 min
